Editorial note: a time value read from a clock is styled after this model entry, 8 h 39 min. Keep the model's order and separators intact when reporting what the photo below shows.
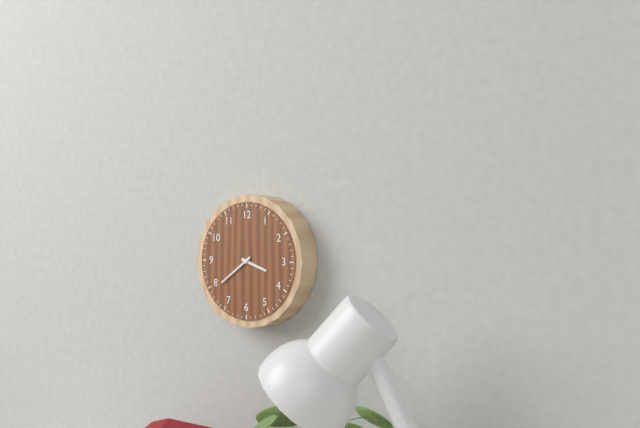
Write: 3 h 39 min
